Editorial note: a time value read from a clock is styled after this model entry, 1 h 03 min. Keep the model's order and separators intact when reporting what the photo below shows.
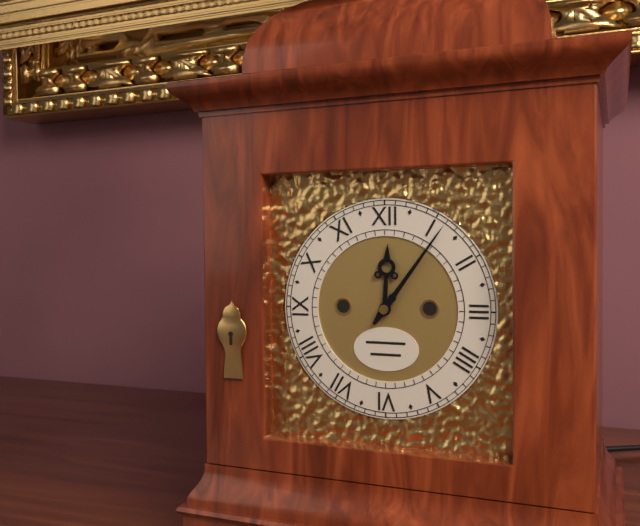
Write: 12 h 06 min
